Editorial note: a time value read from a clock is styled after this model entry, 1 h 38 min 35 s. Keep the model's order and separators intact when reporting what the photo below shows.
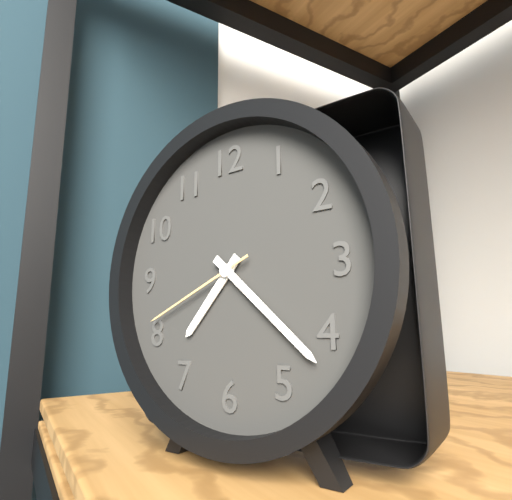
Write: 7 h 22 min 41 s
